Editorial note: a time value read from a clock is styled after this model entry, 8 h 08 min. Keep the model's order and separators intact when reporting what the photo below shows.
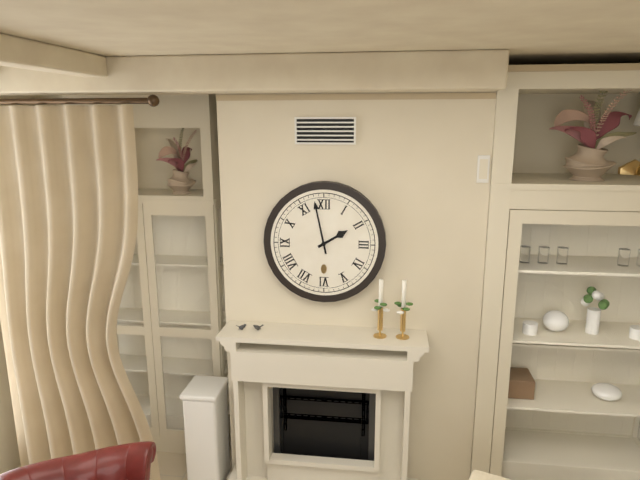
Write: 1 h 58 min
